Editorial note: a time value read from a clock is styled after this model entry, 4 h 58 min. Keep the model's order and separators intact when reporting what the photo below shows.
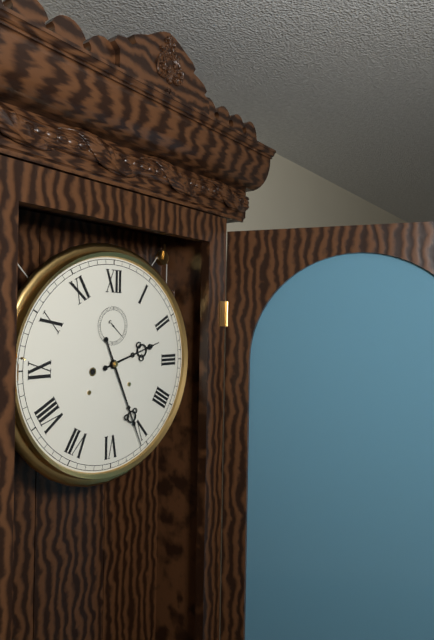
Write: 2 h 26 min
